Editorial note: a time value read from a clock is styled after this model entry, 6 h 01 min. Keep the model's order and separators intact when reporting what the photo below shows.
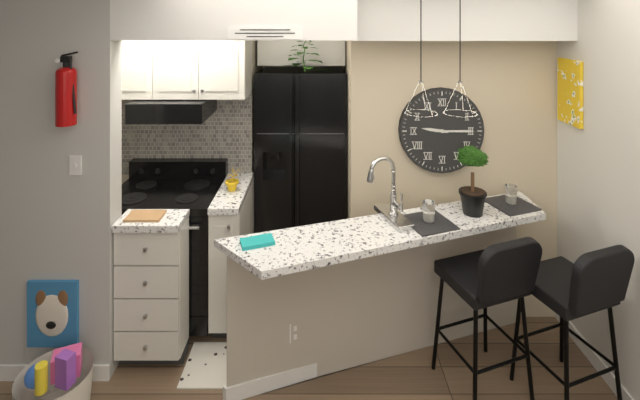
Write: 9 h 15 min
